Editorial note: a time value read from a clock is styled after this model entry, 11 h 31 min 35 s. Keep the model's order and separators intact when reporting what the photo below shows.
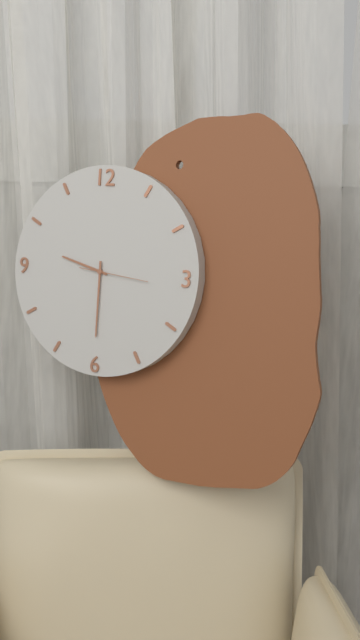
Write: 9 h 30 min 16 s
